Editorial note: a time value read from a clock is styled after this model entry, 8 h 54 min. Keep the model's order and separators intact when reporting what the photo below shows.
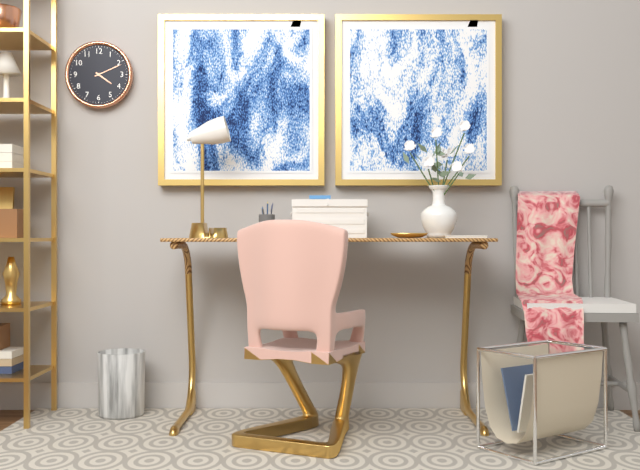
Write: 4 h 11 min
